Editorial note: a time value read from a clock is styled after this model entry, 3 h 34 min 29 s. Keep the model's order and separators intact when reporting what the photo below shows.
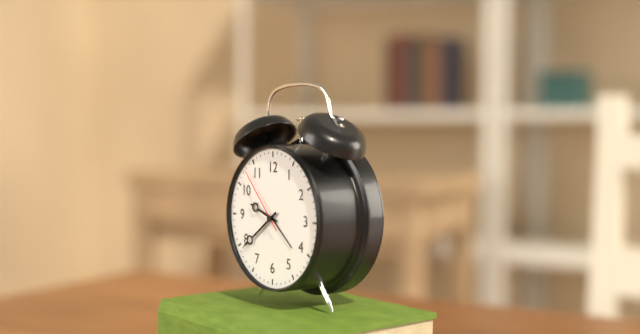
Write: 9 h 39 min 53 s
